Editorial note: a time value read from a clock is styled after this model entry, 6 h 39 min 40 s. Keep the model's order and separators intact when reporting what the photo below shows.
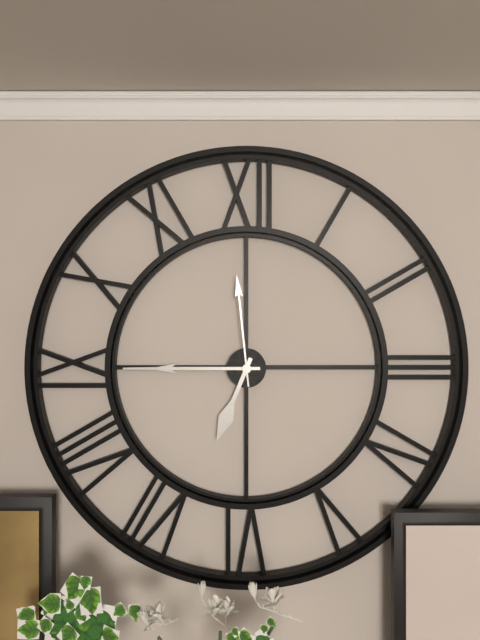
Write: 6 h 45 min 59 s
